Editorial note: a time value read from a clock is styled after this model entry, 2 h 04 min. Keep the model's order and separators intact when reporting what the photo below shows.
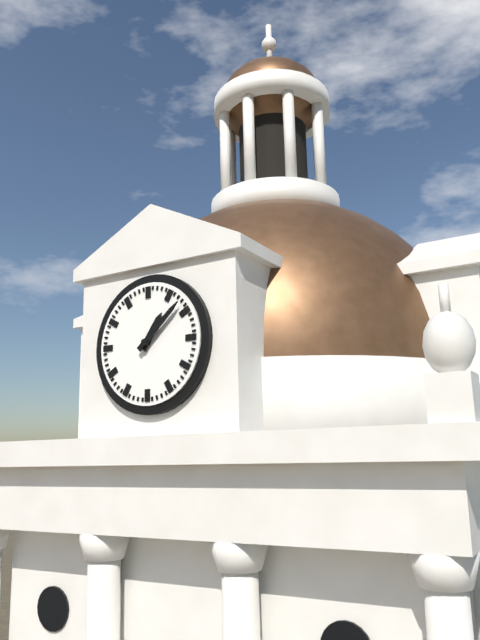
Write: 1 h 08 min
